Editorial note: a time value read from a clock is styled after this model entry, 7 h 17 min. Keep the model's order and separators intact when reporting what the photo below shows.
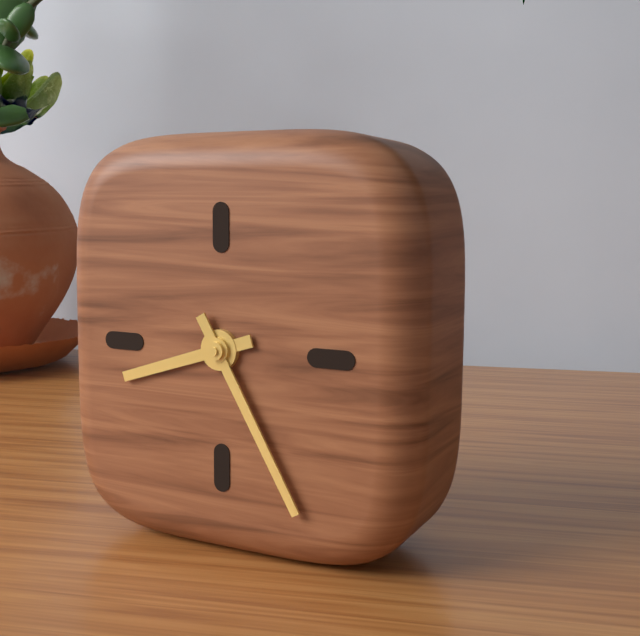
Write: 8 h 25 min
